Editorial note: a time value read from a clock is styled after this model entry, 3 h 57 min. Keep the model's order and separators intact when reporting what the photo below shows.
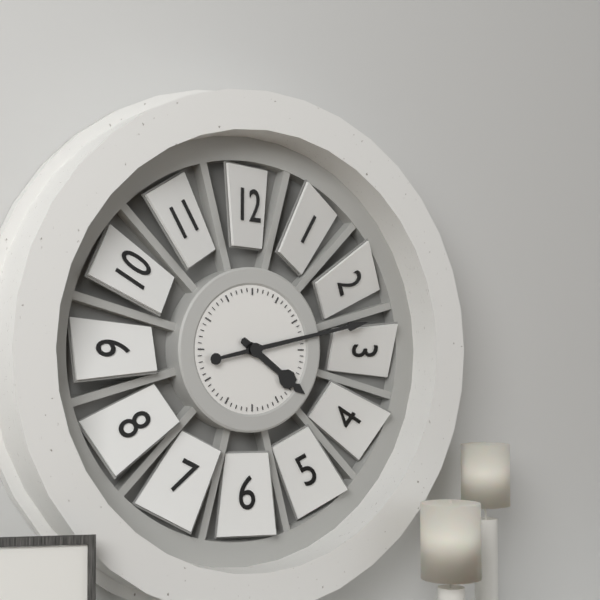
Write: 4 h 13 min
